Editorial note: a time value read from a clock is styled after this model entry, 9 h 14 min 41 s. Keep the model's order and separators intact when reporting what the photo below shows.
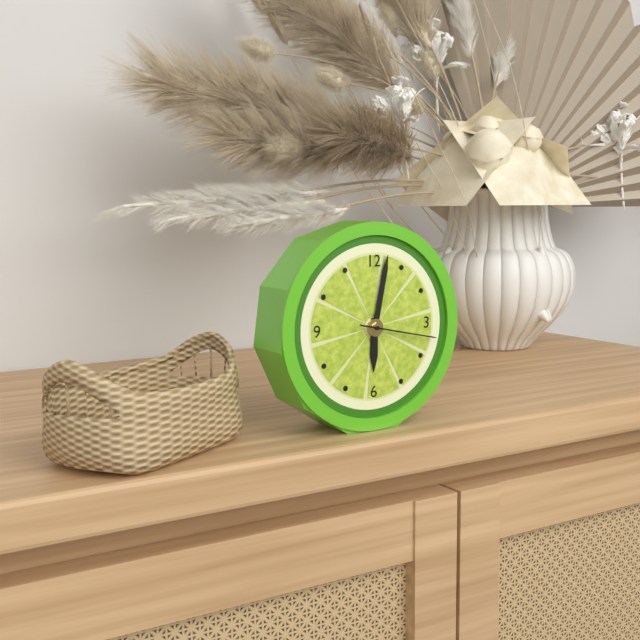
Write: 6 h 02 min 17 s
